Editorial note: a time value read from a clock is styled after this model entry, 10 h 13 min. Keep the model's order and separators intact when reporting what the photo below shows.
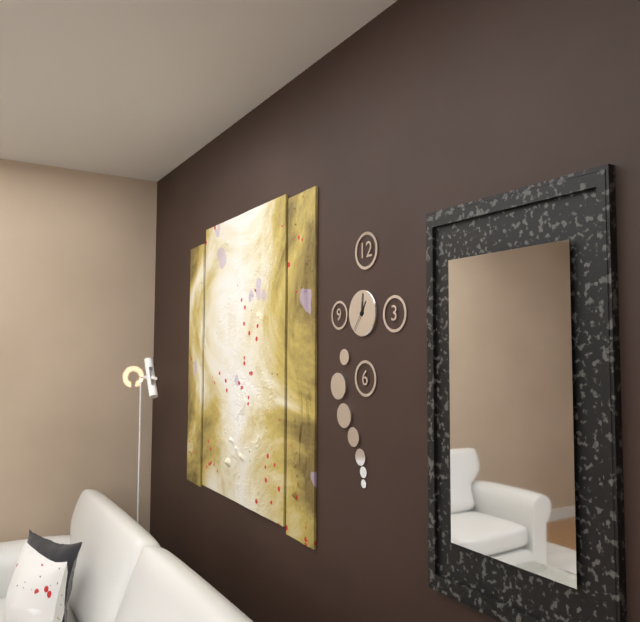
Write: 1 h 01 min
